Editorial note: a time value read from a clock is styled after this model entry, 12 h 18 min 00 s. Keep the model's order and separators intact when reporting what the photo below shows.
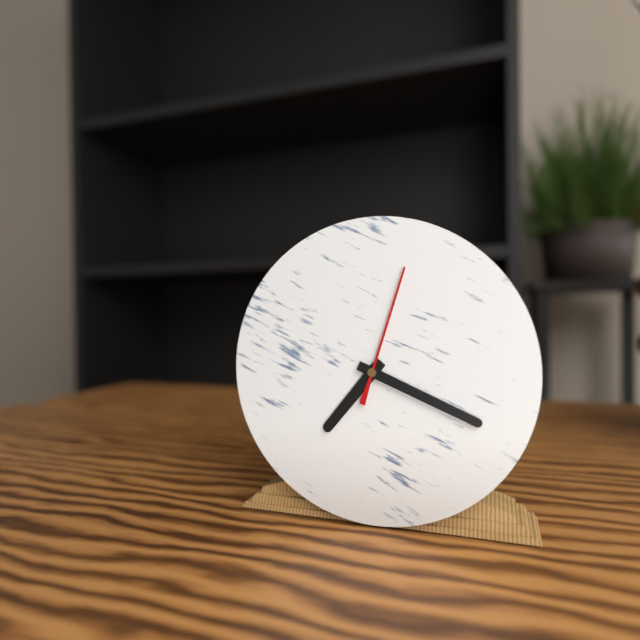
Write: 7 h 19 min 03 s
